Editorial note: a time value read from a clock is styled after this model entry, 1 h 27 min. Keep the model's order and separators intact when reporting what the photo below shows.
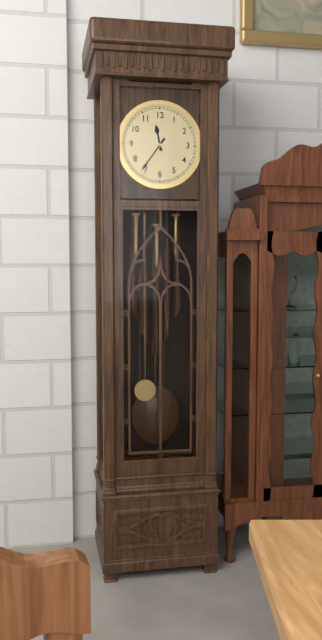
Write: 11 h 36 min
